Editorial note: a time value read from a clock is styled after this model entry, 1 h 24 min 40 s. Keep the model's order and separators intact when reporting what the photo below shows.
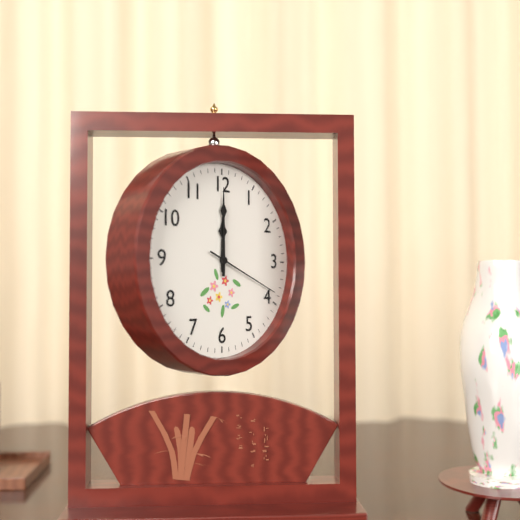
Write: 12 h 00 min 19 s
